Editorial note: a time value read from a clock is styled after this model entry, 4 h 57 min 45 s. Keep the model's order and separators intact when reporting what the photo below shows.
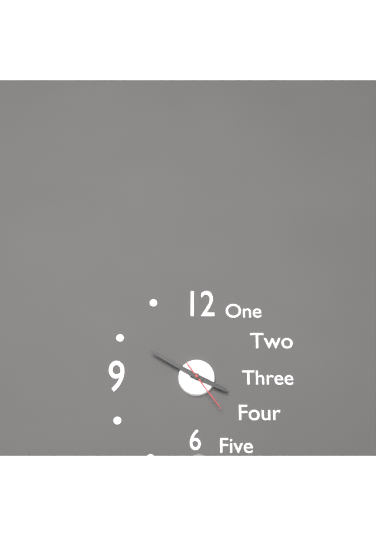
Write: 3 h 50 min 24 s
